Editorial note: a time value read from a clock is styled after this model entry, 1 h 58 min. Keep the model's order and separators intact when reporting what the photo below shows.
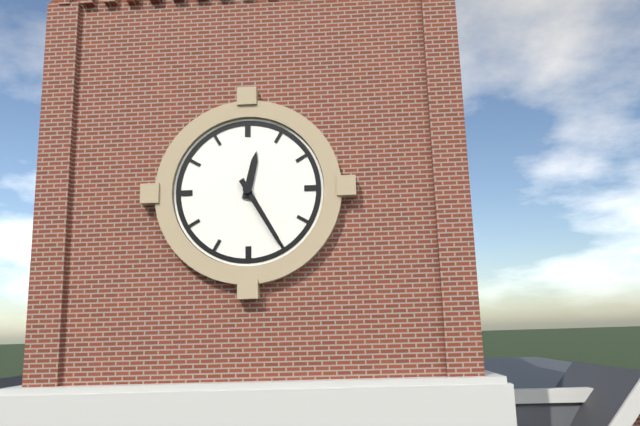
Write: 12 h 25 min
